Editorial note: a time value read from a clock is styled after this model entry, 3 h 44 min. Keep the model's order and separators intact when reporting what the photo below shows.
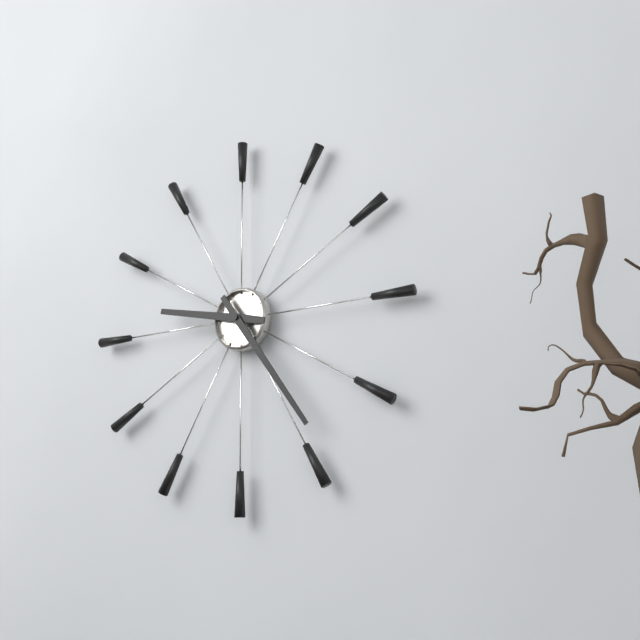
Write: 9 h 24 min
